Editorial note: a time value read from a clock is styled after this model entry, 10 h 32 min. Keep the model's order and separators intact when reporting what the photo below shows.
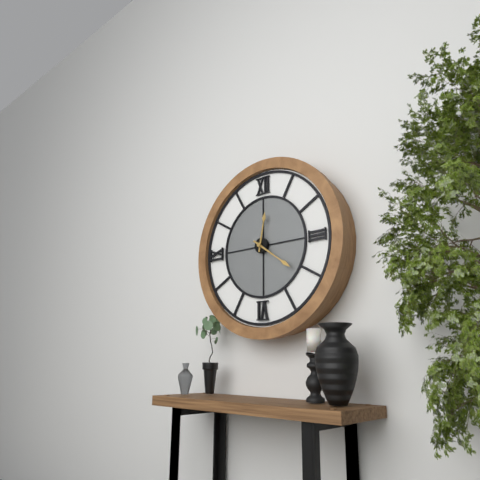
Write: 12 h 21 min
